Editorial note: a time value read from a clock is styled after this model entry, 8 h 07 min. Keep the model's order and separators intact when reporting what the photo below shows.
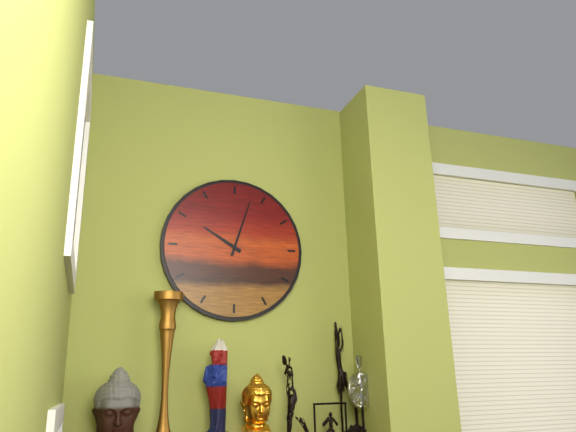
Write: 10 h 03 min
